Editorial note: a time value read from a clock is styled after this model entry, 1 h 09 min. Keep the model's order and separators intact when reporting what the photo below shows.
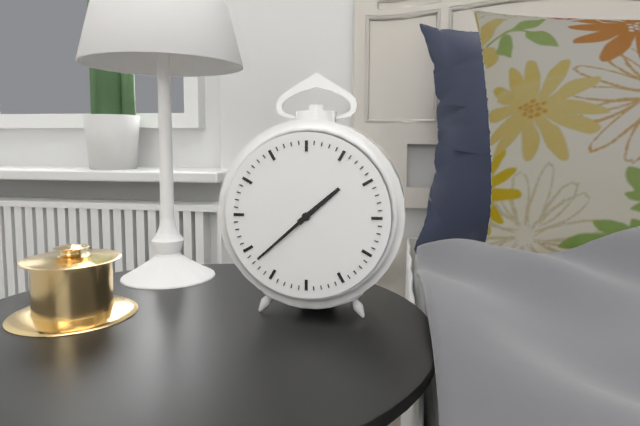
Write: 1 h 38 min
